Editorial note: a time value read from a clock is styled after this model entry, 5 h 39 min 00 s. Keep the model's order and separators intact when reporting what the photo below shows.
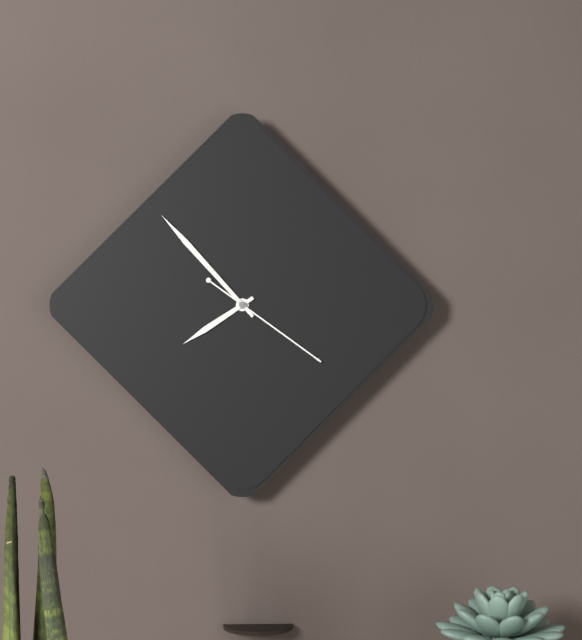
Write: 7 h 53 min 21 s
